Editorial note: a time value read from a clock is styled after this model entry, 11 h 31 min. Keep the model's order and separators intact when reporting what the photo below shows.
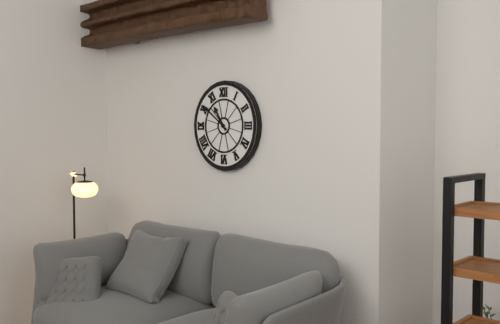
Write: 10 h 51 min
